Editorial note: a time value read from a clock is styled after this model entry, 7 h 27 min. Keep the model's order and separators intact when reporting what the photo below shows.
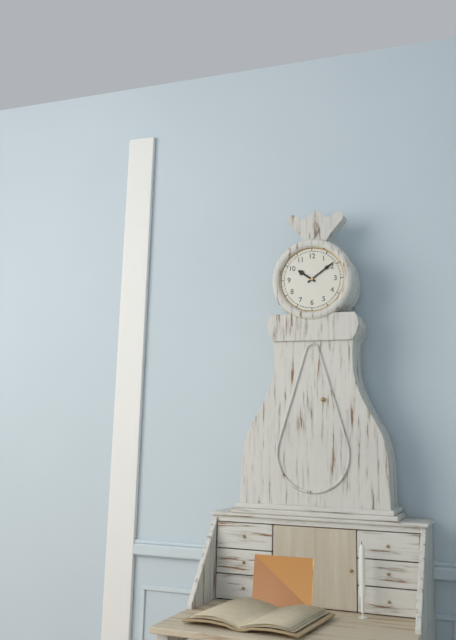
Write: 10 h 09 min
